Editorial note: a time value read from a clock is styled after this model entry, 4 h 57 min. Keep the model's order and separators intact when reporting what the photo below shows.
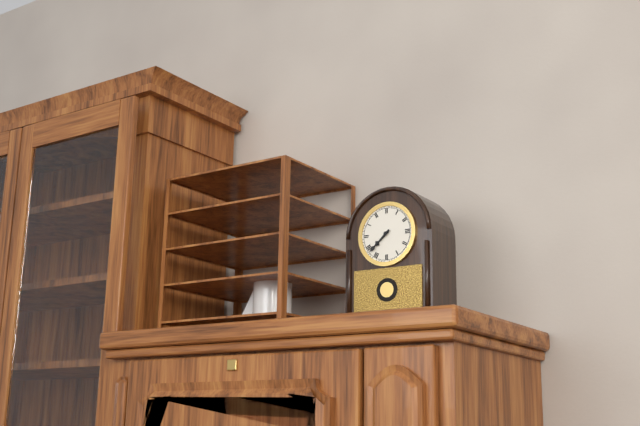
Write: 7 h 38 min
